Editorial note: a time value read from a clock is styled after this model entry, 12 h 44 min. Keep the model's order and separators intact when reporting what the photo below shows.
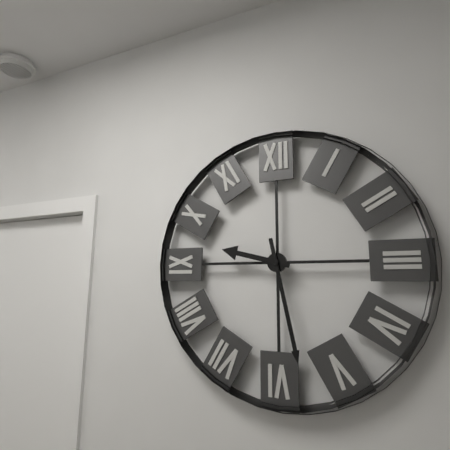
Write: 9 h 28 min
